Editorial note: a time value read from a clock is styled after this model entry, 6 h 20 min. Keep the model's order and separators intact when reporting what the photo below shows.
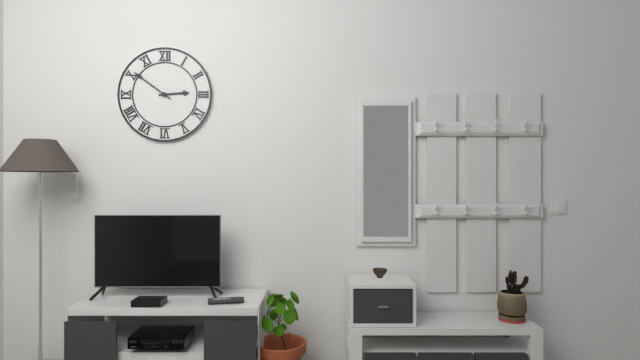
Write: 2 h 51 min
